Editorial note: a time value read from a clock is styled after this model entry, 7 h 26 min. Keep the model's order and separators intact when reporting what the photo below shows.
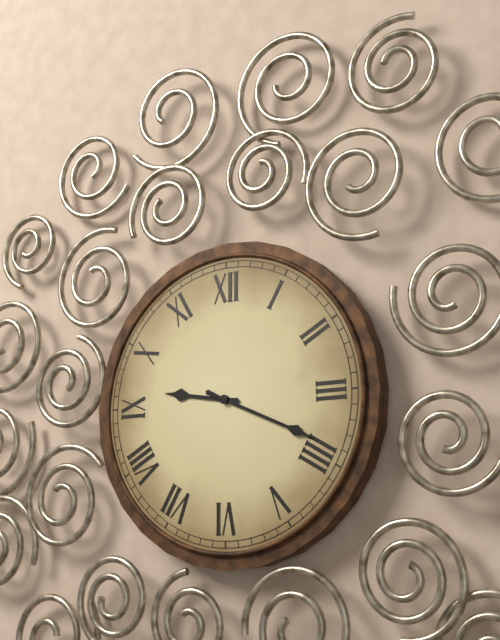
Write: 9 h 19 min
